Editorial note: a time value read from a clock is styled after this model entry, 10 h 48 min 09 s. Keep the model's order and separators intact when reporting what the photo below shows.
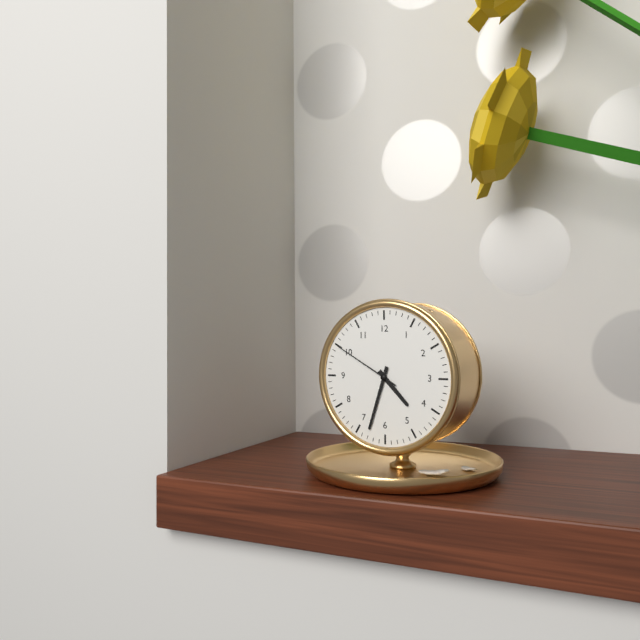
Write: 4 h 33 min 50 s
